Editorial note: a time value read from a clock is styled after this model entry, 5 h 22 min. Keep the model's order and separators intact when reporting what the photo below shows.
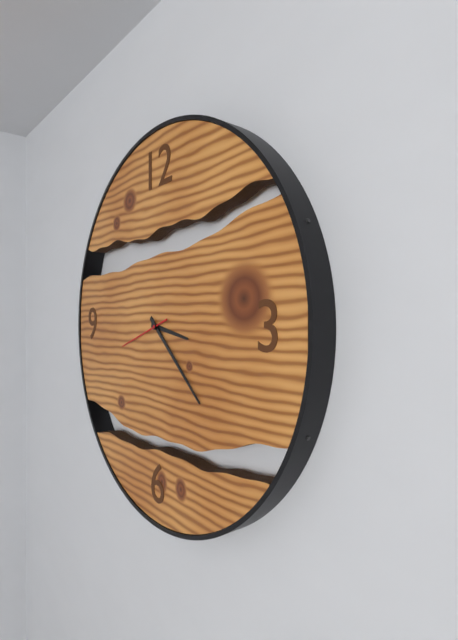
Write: 3 h 22 min
